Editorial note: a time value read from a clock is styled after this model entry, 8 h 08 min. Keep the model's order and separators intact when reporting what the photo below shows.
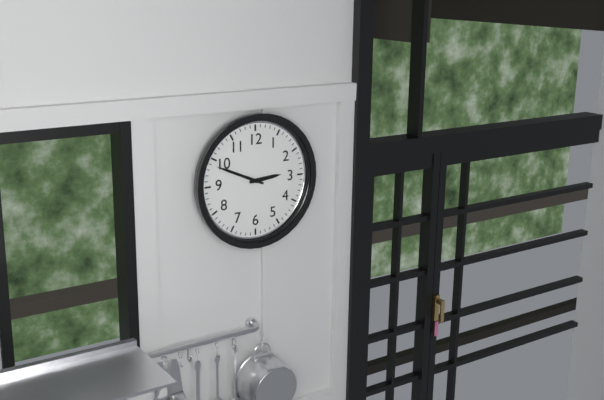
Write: 2 h 49 min
